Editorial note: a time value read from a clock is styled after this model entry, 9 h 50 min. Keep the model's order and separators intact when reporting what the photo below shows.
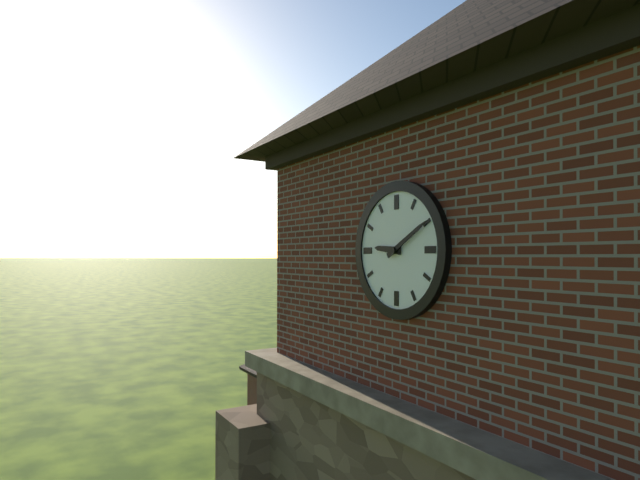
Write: 9 h 10 min
